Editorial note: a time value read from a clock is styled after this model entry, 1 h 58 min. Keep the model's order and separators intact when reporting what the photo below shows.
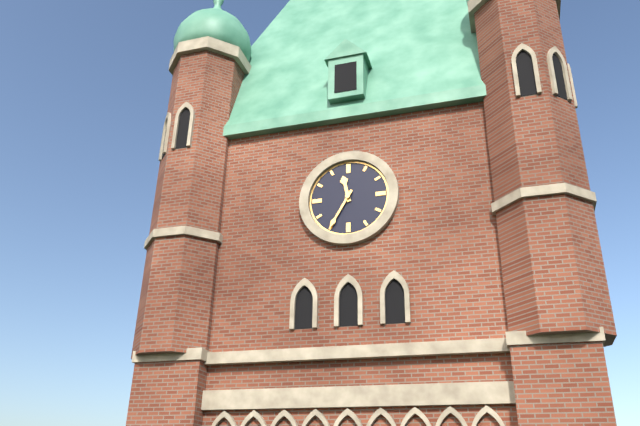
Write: 11 h 35 min
